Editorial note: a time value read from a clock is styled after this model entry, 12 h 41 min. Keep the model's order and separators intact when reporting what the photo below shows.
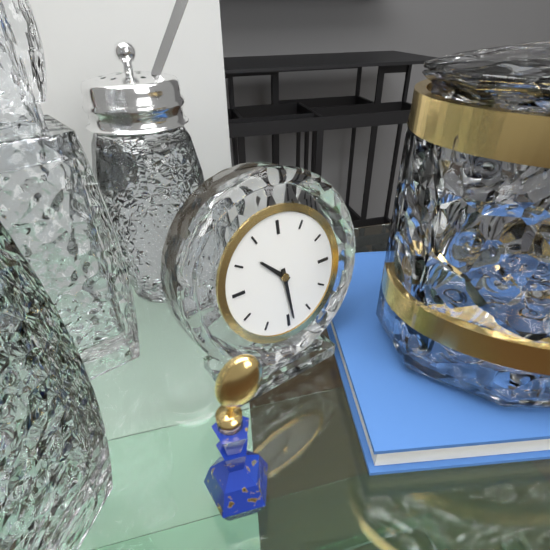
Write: 10 h 29 min
